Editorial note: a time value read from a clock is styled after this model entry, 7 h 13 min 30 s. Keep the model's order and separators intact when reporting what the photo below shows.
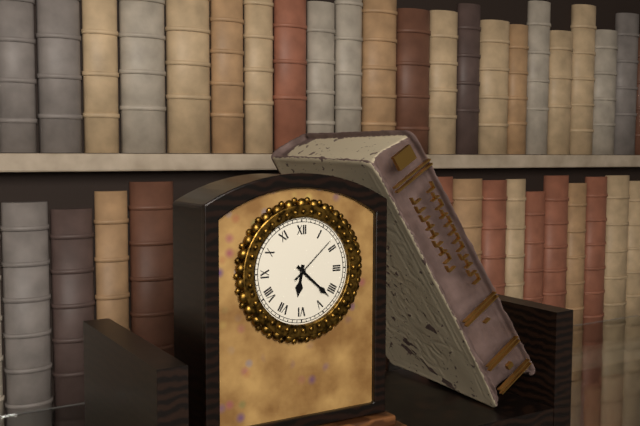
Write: 6 h 22 min 08 s
